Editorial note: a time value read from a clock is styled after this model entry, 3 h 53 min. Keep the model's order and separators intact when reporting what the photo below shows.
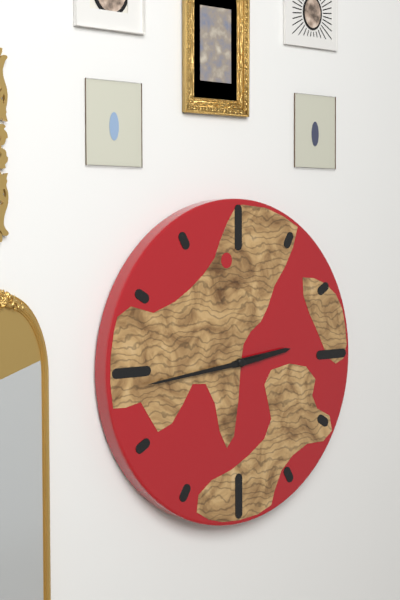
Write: 2 h 44 min
